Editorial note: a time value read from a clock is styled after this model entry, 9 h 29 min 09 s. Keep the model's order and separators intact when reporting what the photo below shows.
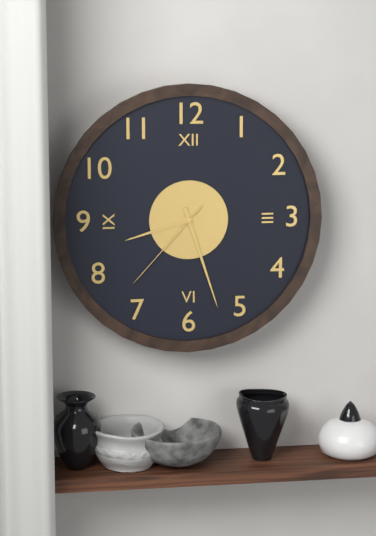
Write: 8 h 27 min 37 s
